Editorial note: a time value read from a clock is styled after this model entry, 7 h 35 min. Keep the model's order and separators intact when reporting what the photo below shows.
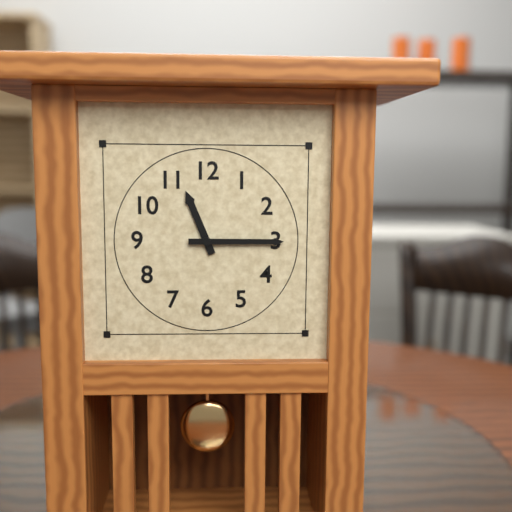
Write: 11 h 15 min
